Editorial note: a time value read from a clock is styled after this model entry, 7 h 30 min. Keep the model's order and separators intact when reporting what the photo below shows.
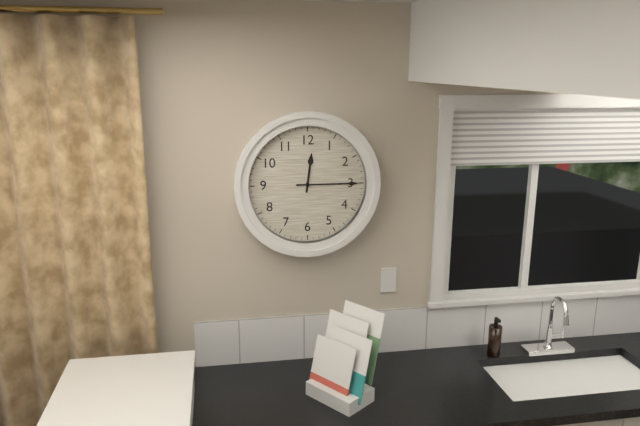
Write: 12 h 15 min
